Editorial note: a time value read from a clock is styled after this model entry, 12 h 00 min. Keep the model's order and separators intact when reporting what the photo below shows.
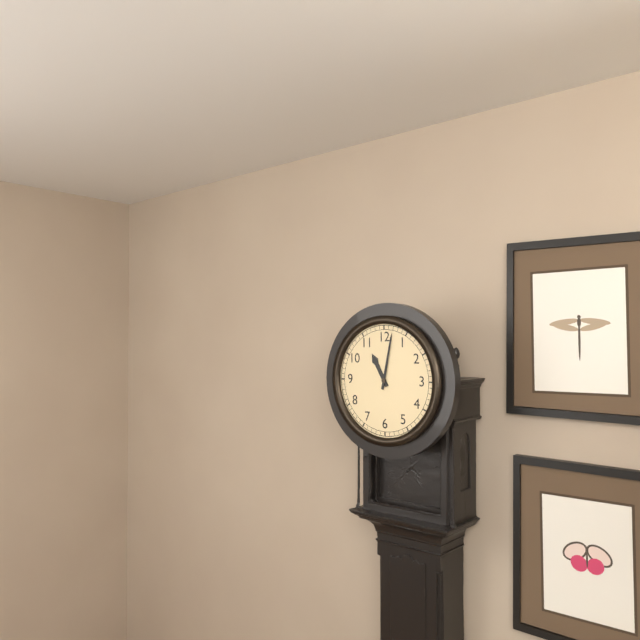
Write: 11 h 02 min
